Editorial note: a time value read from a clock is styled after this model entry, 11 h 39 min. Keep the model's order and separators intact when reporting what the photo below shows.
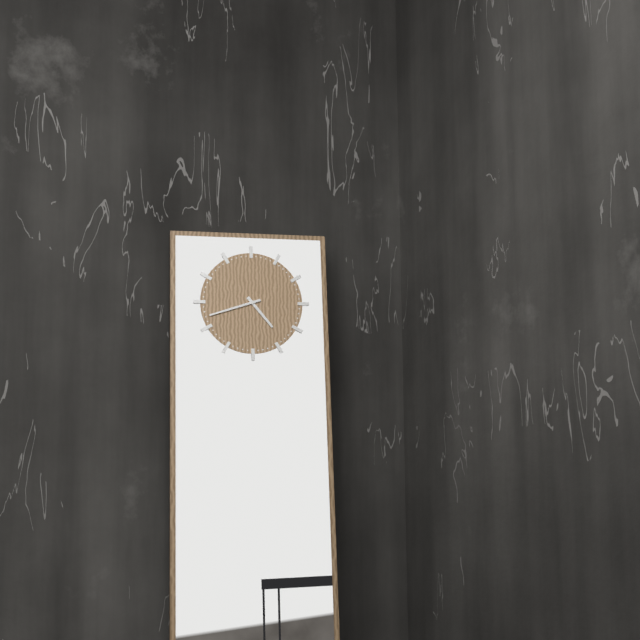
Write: 4 h 42 min
